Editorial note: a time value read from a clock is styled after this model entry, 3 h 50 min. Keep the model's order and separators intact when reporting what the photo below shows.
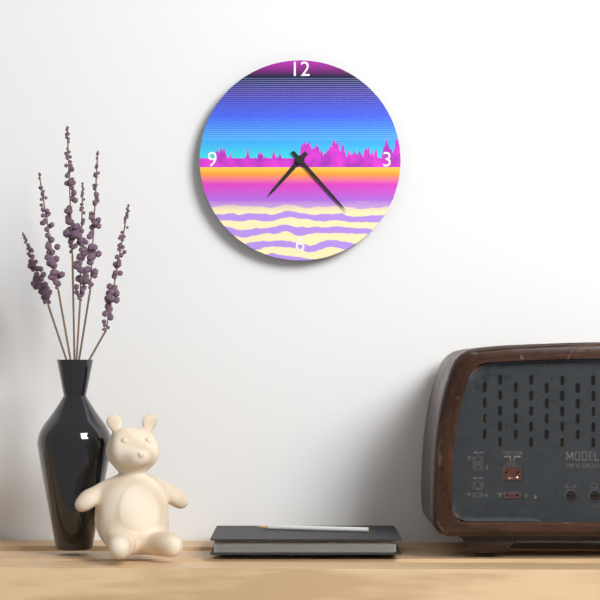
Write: 7 h 23 min
